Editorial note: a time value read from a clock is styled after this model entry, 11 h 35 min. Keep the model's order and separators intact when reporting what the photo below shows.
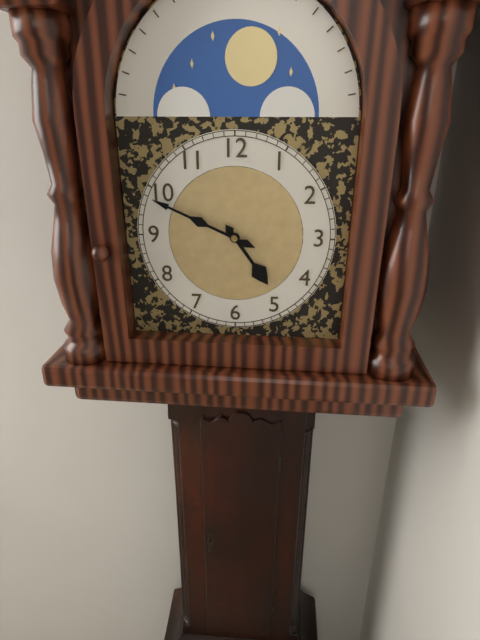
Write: 4 h 49 min
